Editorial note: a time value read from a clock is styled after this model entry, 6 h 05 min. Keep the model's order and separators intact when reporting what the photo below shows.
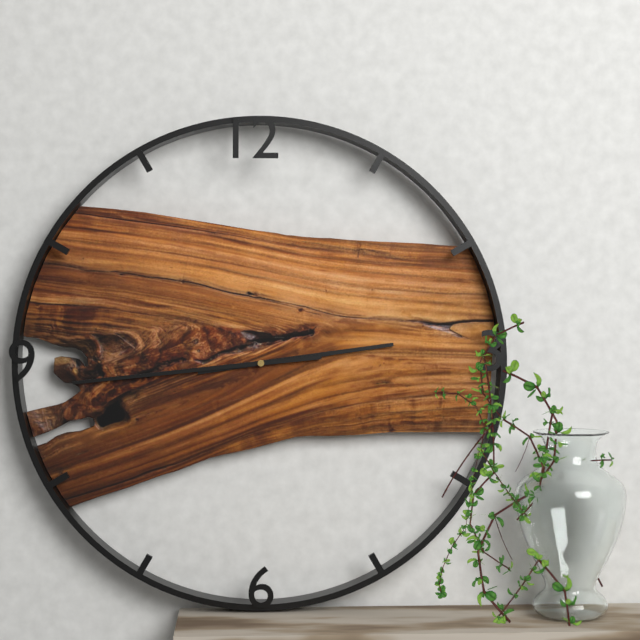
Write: 2 h 44 min
